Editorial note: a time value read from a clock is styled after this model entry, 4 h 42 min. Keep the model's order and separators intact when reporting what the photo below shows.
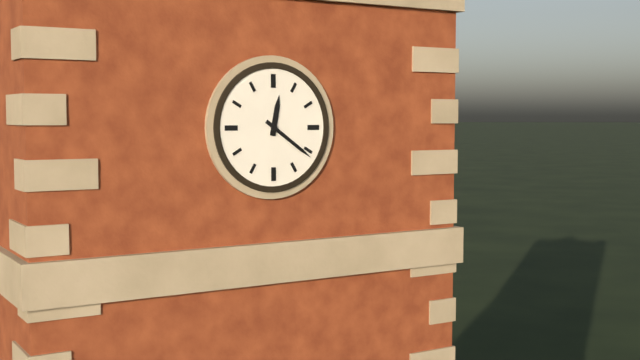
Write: 12 h 21 min
